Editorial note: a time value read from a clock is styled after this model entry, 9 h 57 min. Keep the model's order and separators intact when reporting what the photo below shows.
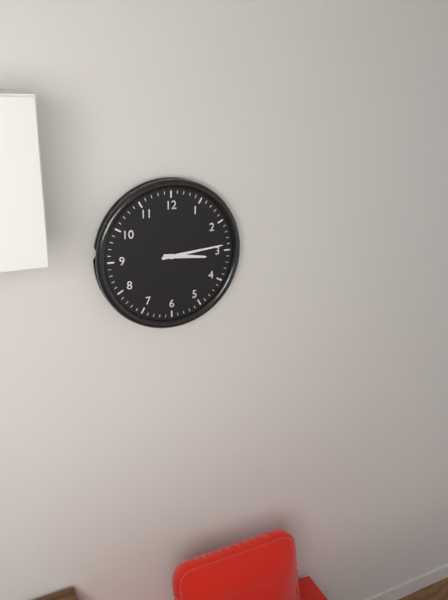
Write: 3 h 14 min
